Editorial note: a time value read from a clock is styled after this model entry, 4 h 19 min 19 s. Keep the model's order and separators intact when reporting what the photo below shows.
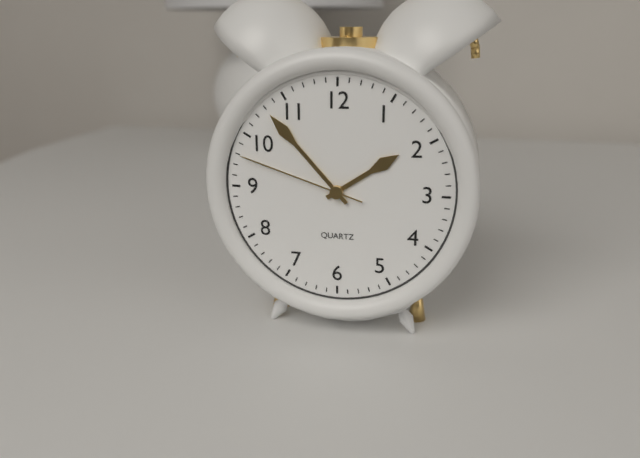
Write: 1 h 53 min 48 s
